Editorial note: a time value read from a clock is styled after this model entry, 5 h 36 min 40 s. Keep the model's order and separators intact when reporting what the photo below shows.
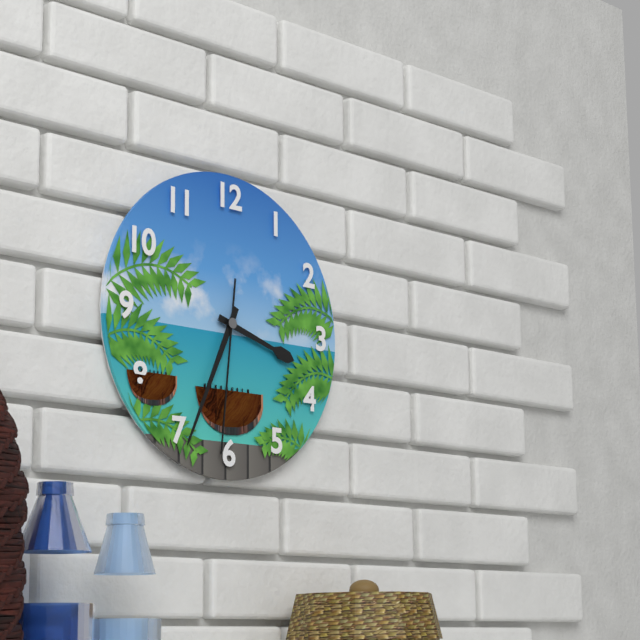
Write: 3 h 34 min 31 s
